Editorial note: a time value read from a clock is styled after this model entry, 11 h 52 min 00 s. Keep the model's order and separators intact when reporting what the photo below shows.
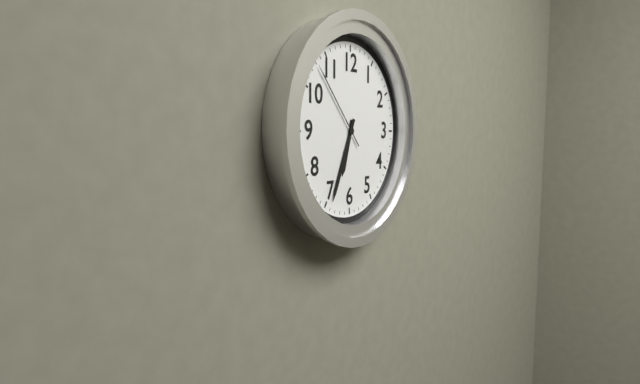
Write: 6 h 34 min 53 s
